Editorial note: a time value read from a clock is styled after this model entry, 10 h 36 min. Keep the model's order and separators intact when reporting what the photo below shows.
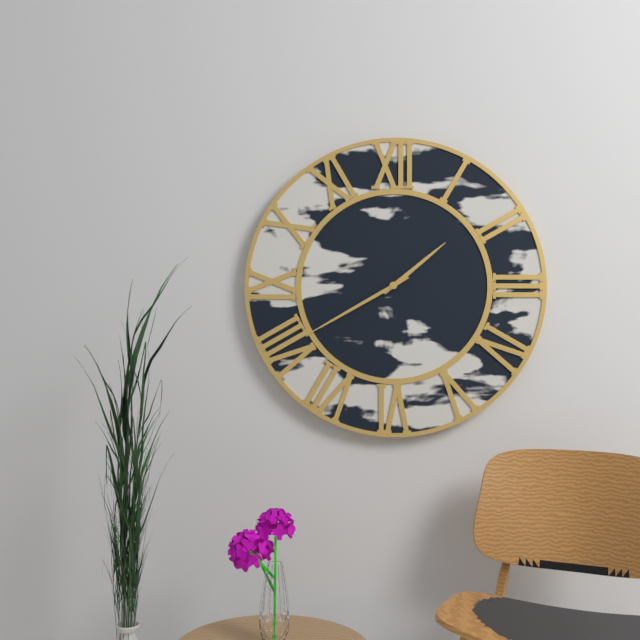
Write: 1 h 40 min
